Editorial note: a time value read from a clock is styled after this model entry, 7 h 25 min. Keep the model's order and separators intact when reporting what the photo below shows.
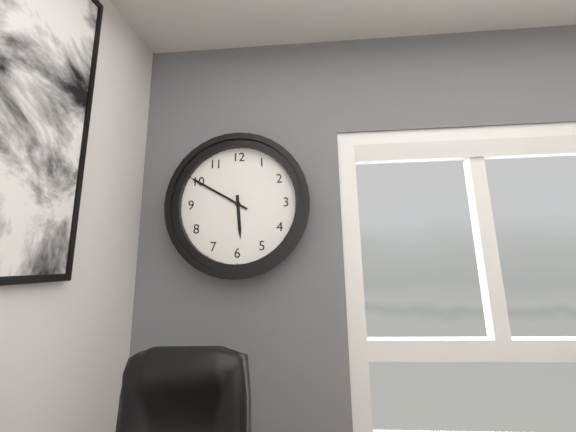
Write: 5 h 50 min
